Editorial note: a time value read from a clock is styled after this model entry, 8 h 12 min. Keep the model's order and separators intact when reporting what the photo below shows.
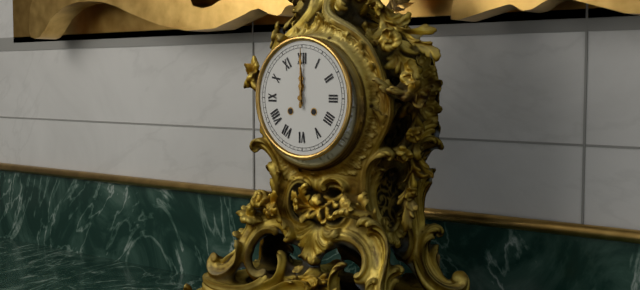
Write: 12 h 00 min
